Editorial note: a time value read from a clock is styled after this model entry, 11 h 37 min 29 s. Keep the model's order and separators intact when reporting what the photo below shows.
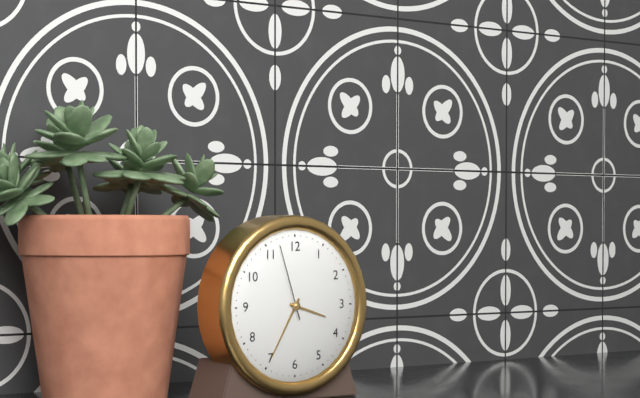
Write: 3 h 35 min 57 s
